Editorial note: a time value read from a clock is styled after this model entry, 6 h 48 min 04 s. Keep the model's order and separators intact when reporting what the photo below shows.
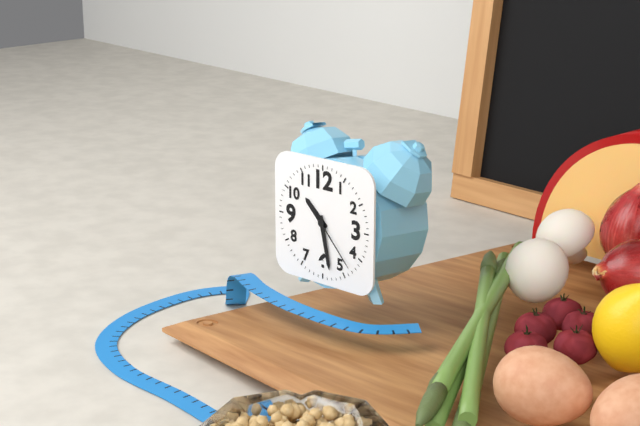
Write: 10 h 28 min 23 s
